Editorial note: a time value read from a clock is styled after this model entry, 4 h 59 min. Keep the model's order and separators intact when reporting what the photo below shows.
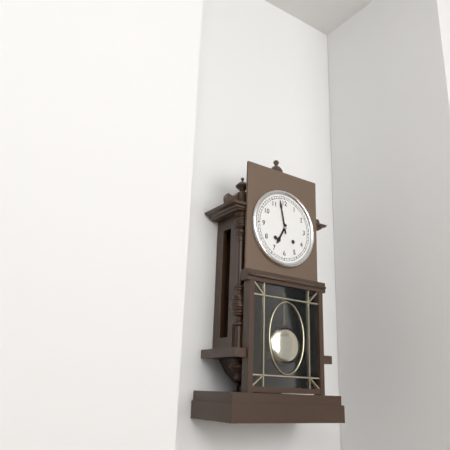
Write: 6 h 58 min
